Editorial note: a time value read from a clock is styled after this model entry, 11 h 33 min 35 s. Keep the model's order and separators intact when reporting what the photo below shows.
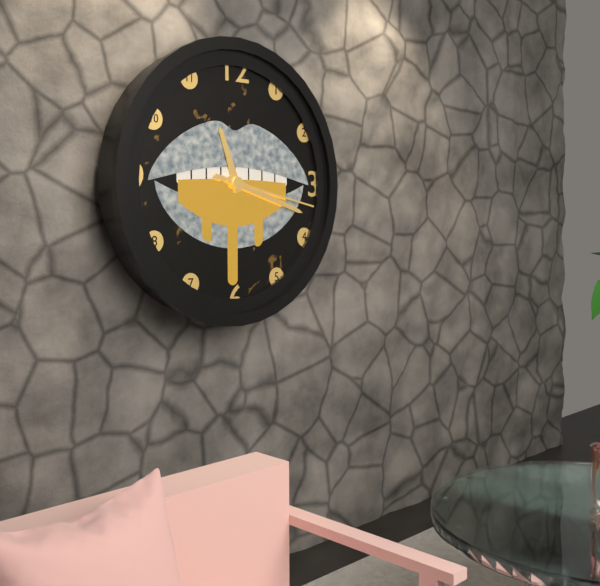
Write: 11 h 18 min 17 s
